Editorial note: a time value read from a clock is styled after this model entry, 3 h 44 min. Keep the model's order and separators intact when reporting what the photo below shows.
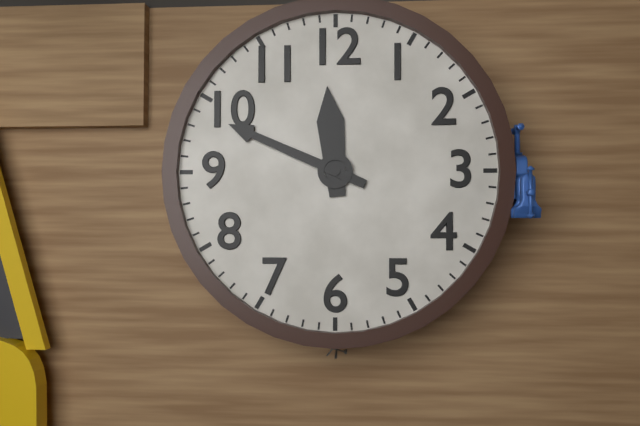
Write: 11 h 49 min
